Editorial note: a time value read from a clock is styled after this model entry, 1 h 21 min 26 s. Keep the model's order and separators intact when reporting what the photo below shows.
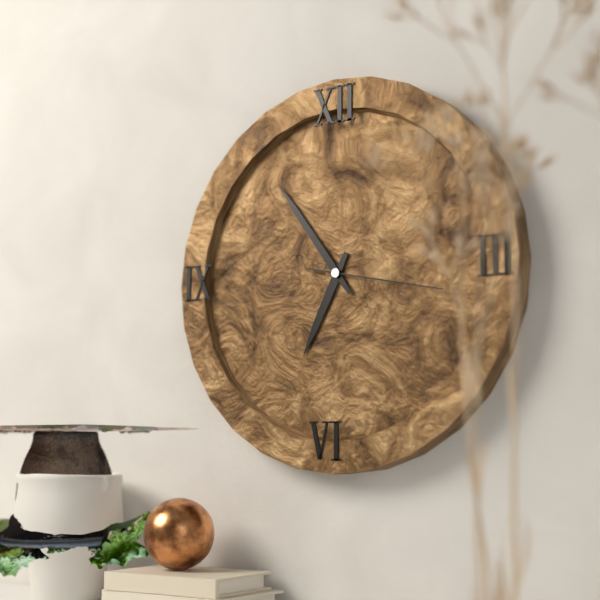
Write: 6 h 54 min 17 s
